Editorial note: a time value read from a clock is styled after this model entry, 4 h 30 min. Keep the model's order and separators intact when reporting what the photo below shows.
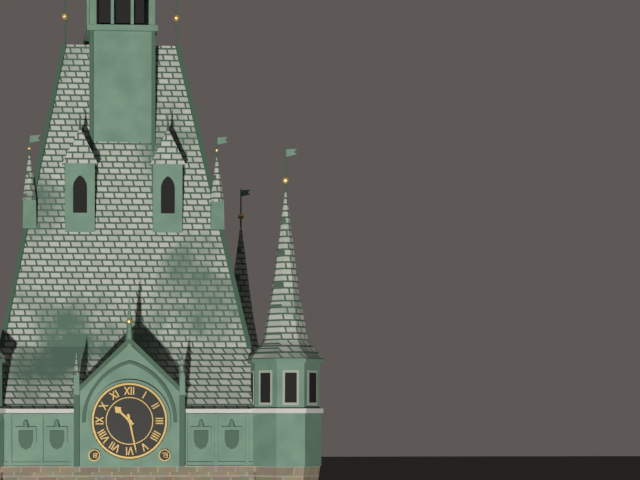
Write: 10 h 28 min
